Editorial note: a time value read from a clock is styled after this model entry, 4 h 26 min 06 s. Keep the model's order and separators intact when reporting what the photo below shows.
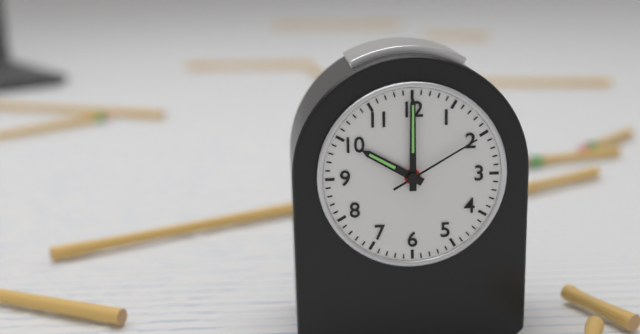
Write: 10 h 00 min 10 s
